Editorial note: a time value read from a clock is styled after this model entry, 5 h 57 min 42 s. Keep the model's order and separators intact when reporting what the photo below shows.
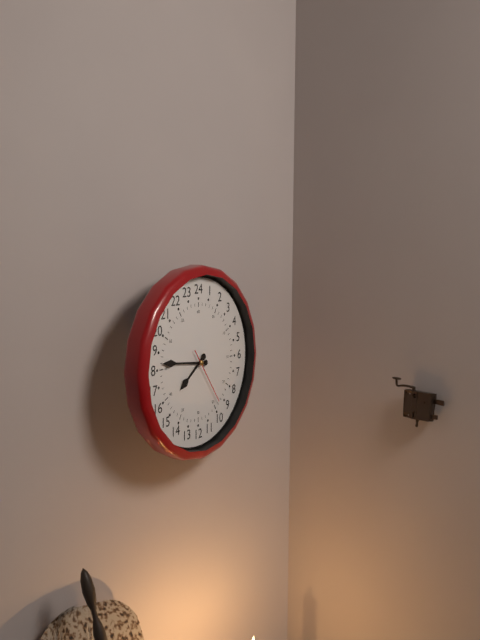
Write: 7 h 46 min 24 s
